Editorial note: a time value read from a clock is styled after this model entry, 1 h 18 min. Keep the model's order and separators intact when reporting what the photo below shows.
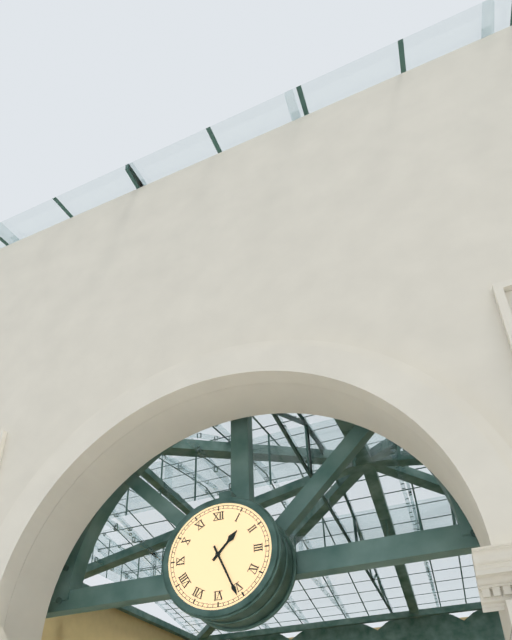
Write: 1 h 26 min
